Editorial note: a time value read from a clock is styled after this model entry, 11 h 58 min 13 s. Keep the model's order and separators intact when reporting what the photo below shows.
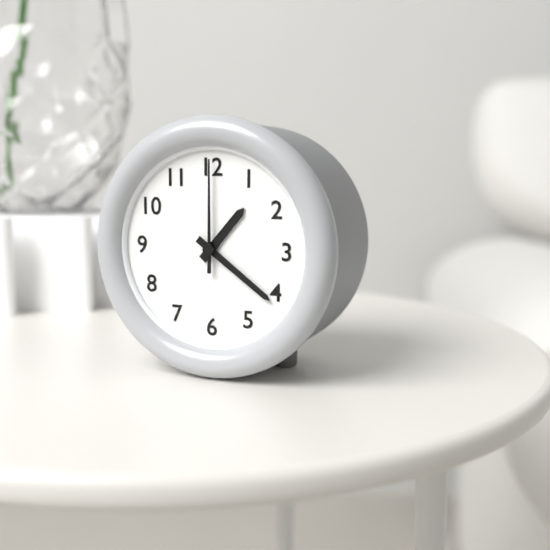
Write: 1 h 21 min 00 s
